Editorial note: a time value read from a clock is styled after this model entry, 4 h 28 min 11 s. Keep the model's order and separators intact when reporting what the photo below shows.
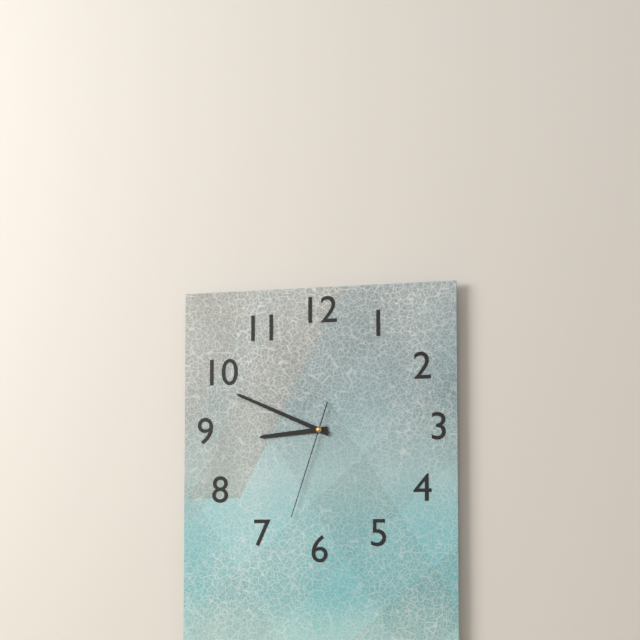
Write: 8 h 49 min 33 s
